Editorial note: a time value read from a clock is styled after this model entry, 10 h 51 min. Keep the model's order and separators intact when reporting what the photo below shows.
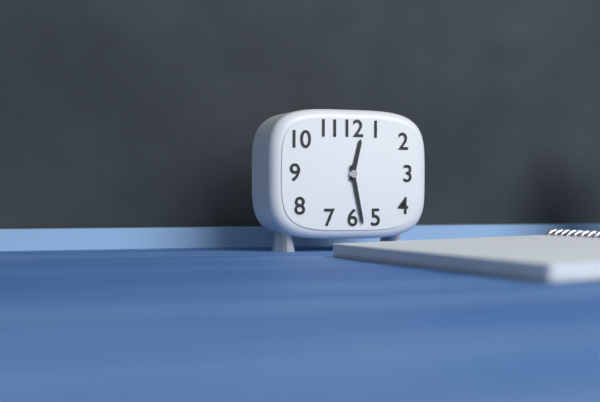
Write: 12 h 28 min
